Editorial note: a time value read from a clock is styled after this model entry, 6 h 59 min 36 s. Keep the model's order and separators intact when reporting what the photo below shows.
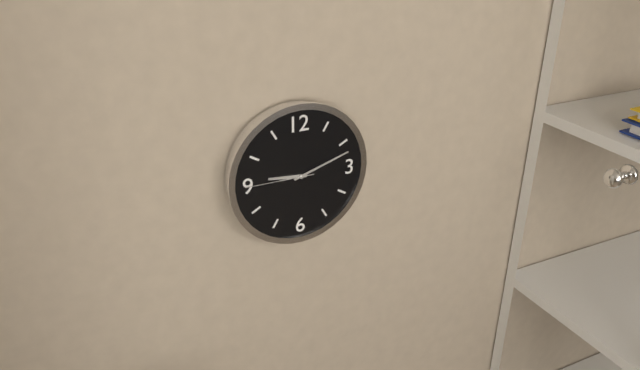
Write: 9 h 12 min 45 s
